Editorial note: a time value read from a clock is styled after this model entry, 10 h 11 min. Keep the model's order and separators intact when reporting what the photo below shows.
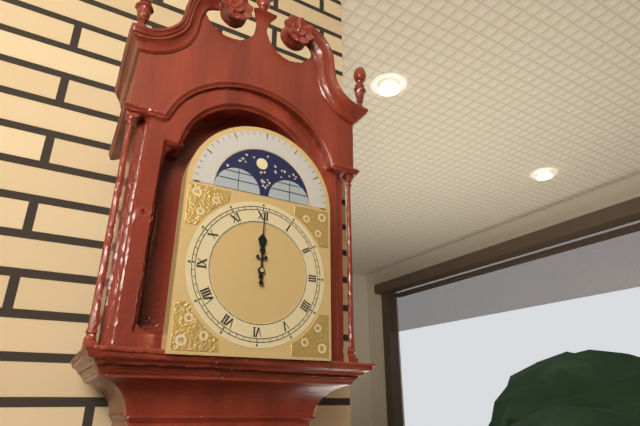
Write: 12 h 00 min
